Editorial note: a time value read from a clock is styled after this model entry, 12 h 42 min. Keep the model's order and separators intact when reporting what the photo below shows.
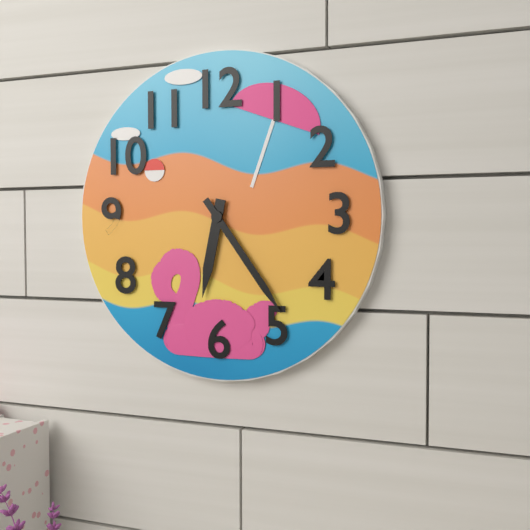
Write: 6 h 24 min
